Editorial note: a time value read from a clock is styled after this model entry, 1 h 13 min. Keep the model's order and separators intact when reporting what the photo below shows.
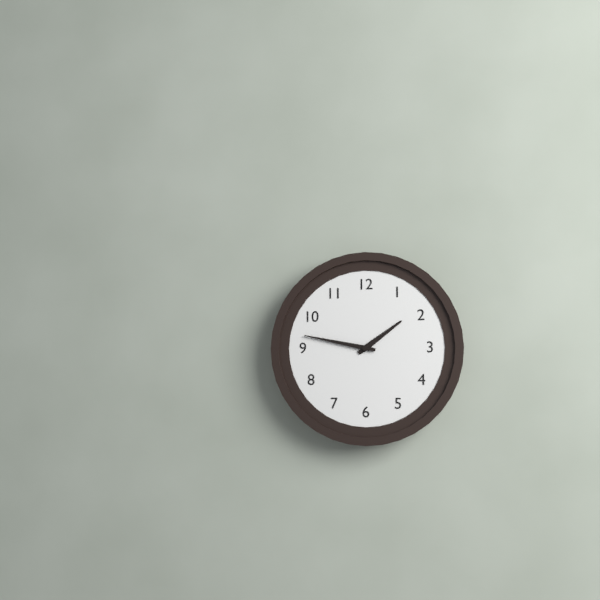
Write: 1 h 47 min
